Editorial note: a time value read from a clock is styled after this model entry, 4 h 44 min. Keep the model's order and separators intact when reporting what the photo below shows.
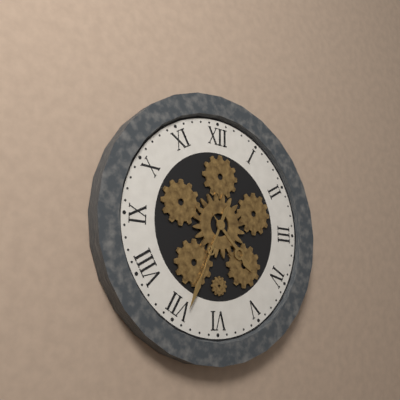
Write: 4 h 34 min
